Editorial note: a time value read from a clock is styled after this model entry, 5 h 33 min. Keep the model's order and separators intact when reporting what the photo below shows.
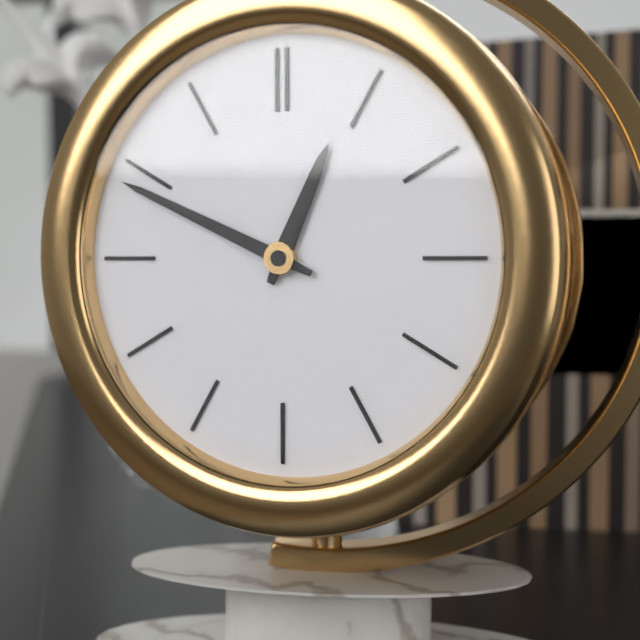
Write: 12 h 49 min
